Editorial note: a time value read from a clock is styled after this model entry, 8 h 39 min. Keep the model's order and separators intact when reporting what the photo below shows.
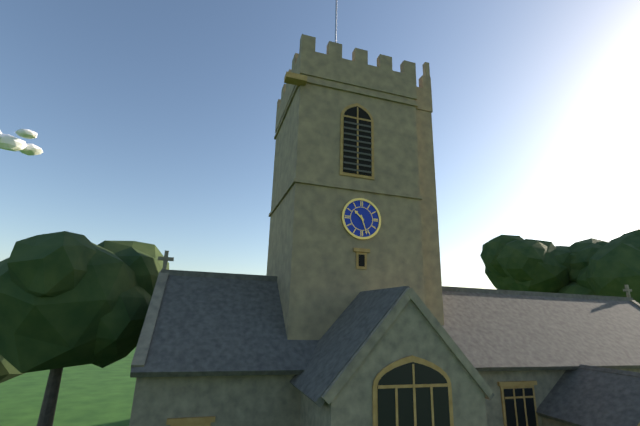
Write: 10 h 27 min
